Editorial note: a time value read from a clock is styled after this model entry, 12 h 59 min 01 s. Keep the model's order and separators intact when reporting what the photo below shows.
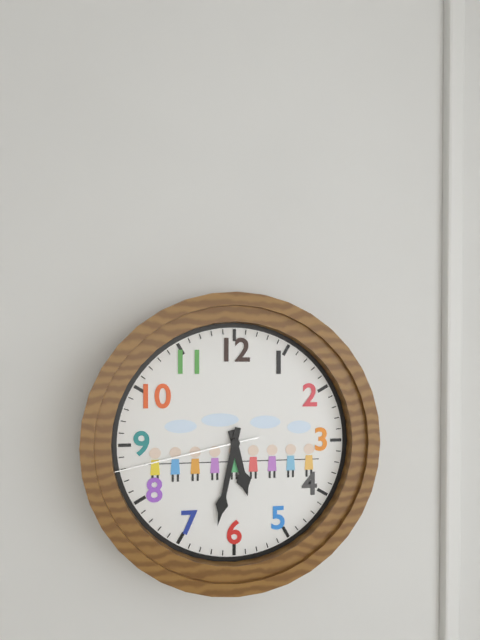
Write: 5 h 32 min 43 s
